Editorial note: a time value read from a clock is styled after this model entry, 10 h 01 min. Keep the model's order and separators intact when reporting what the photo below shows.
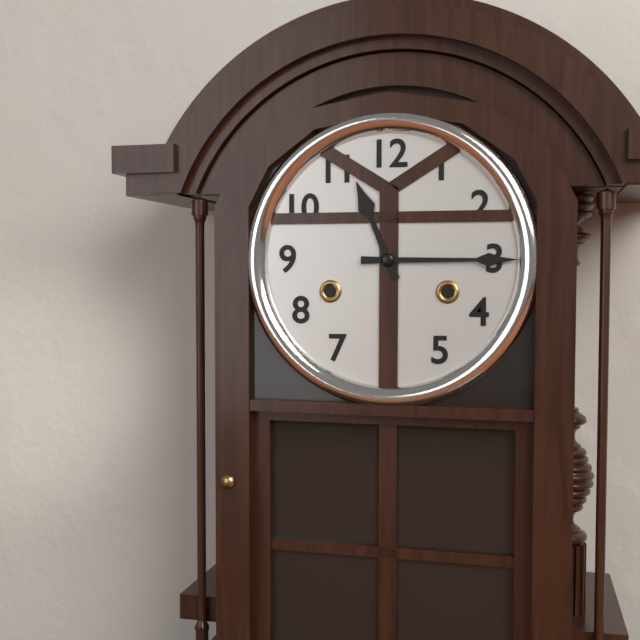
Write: 11 h 15 min
